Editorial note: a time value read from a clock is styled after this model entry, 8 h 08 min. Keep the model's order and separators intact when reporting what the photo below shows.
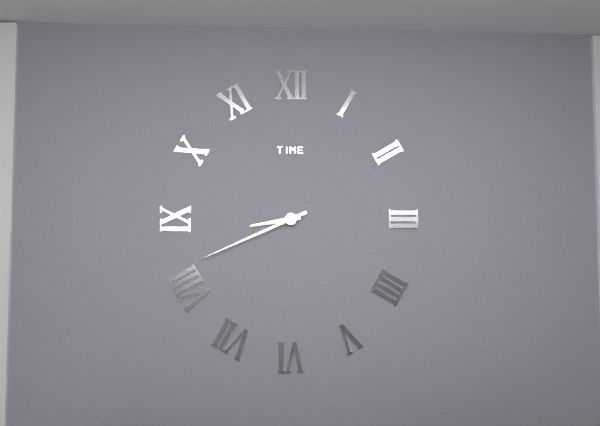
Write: 8 h 41 min
